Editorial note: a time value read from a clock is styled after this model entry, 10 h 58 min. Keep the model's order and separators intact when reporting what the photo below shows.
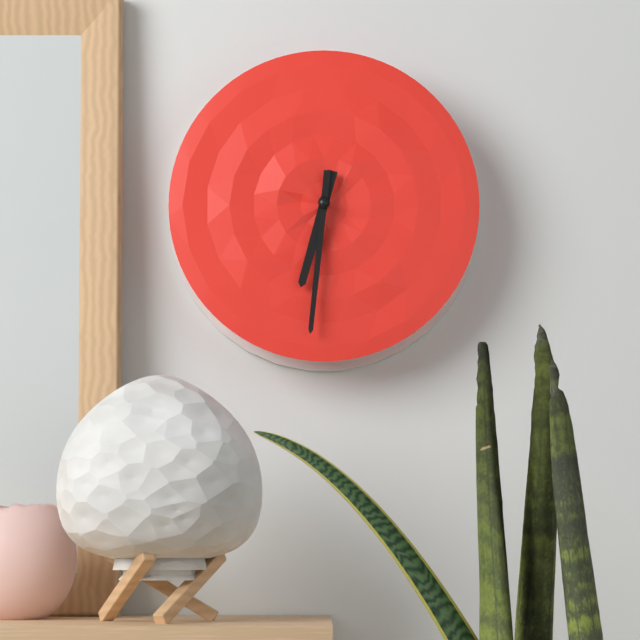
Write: 6 h 31 min
